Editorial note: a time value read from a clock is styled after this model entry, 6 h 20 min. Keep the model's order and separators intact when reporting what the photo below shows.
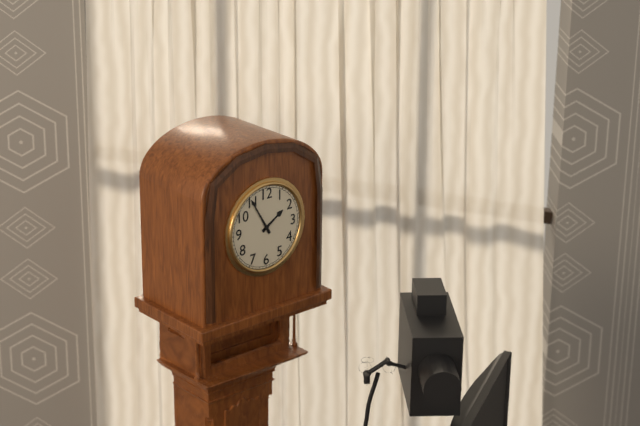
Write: 1 h 55 min
